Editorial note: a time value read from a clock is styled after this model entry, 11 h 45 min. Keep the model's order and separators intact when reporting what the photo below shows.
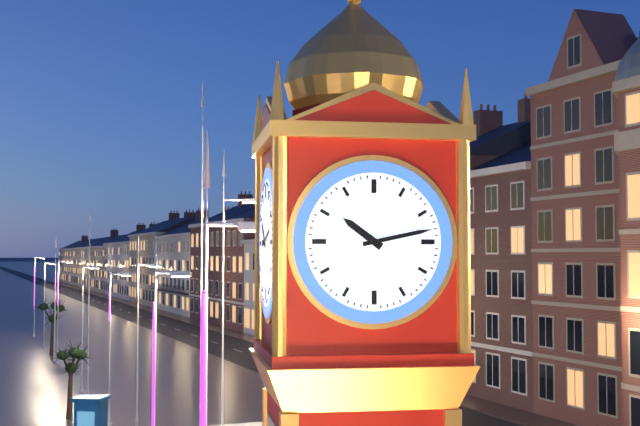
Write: 10 h 13 min
